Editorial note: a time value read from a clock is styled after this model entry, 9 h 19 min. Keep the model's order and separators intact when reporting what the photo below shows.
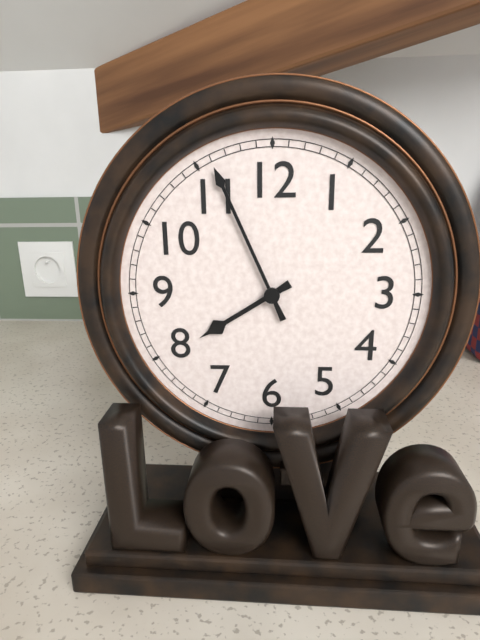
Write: 7 h 56 min
